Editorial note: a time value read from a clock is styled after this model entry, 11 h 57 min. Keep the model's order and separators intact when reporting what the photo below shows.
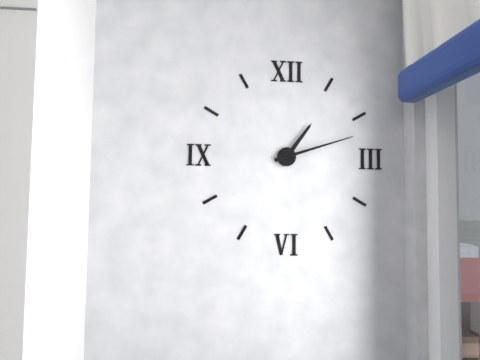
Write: 1 h 12 min
